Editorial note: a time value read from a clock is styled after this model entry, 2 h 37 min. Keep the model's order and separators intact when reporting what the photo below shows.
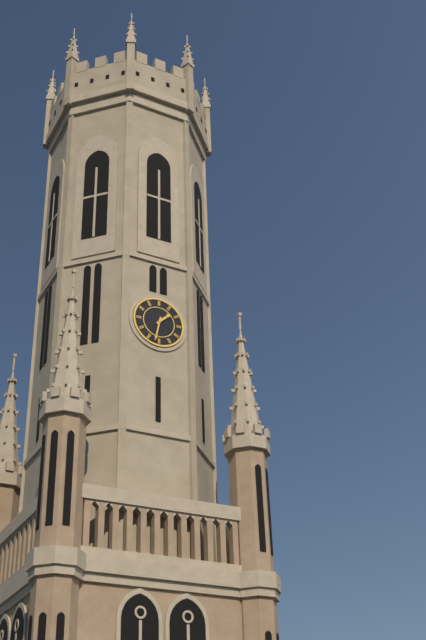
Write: 1 h 32 min
